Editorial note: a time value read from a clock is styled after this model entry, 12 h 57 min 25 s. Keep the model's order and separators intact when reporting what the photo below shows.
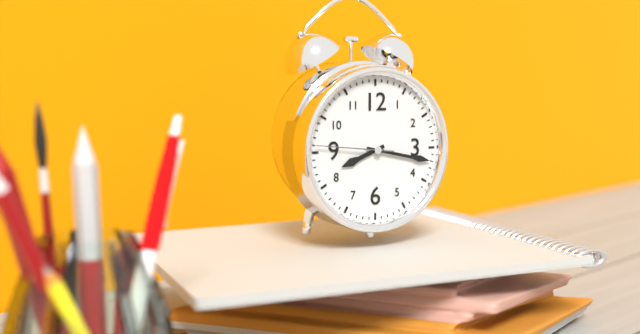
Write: 8 h 17 min 46 s
